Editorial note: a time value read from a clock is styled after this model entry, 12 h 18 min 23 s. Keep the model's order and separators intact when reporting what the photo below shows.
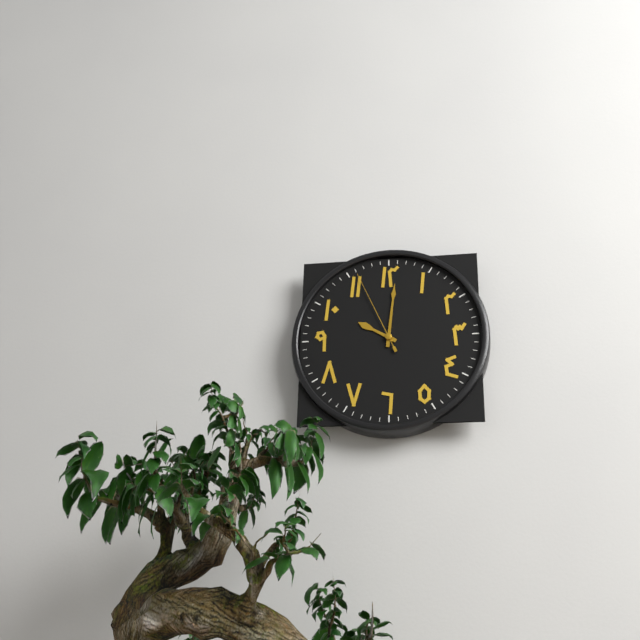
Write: 10 h 01 min 56 s
